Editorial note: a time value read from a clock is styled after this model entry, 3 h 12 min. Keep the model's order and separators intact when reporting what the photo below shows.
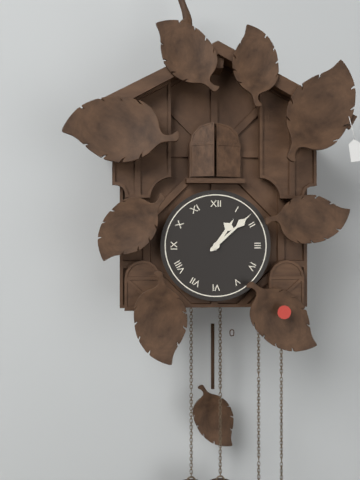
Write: 1 h 08 min
